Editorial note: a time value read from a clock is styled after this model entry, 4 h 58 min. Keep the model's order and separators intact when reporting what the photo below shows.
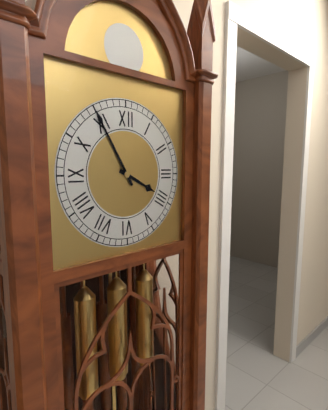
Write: 3 h 55 min
